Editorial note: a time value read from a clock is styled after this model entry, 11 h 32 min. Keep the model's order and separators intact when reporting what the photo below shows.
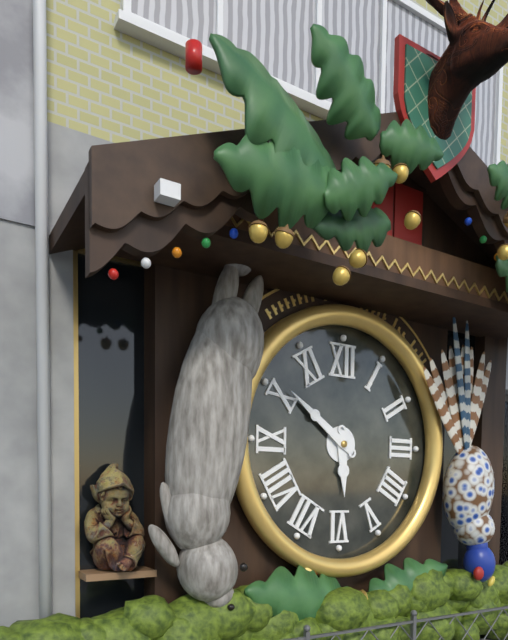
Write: 5 h 51 min
